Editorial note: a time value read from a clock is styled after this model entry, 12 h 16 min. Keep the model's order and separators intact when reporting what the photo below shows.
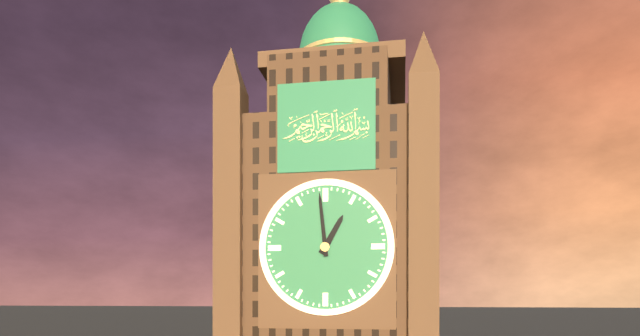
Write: 12 h 59 min
